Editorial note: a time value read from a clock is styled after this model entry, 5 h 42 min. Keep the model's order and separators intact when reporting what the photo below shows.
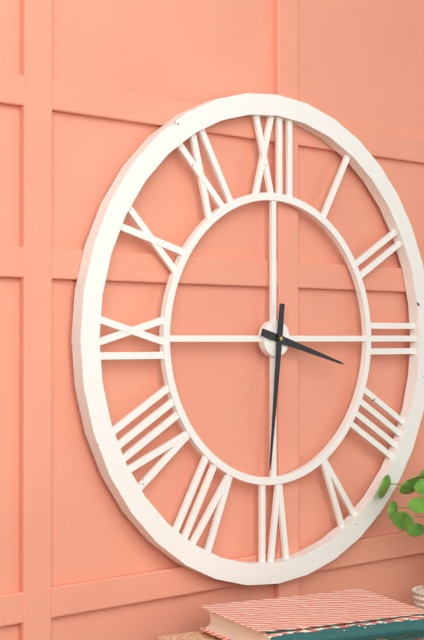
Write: 3 h 31 min
